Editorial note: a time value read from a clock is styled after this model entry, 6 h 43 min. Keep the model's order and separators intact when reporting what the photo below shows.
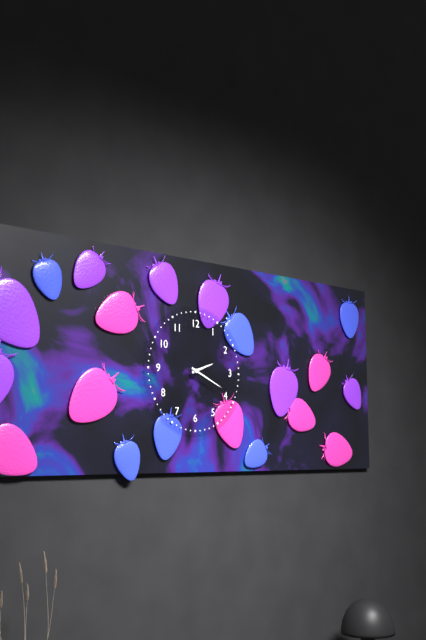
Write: 2 h 19 min
